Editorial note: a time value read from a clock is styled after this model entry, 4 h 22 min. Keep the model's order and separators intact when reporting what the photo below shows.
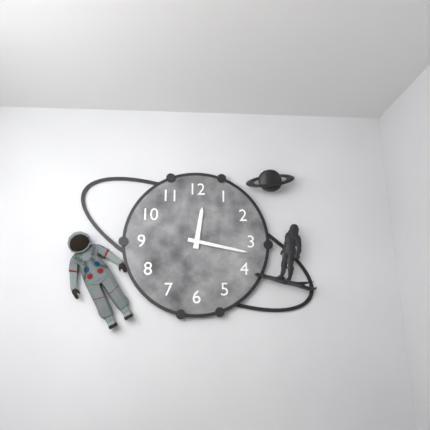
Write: 12 h 17 min
